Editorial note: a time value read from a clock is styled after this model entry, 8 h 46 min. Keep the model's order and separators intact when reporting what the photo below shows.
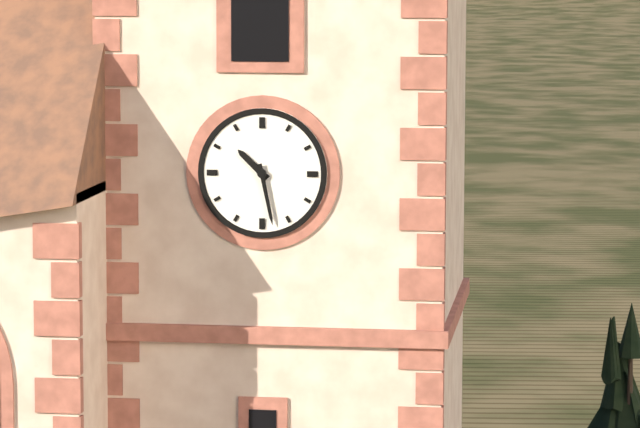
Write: 10 h 28 min
